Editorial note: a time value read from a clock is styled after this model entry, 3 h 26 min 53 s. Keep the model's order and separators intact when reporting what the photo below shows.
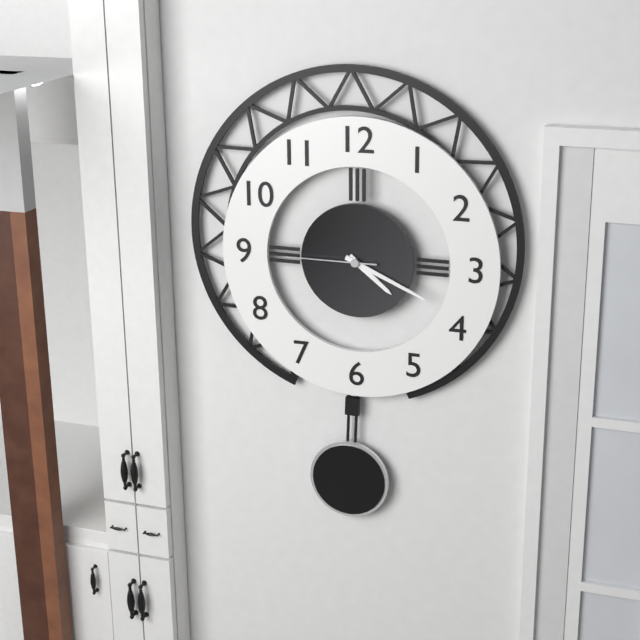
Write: 4 h 19 min 45 s
